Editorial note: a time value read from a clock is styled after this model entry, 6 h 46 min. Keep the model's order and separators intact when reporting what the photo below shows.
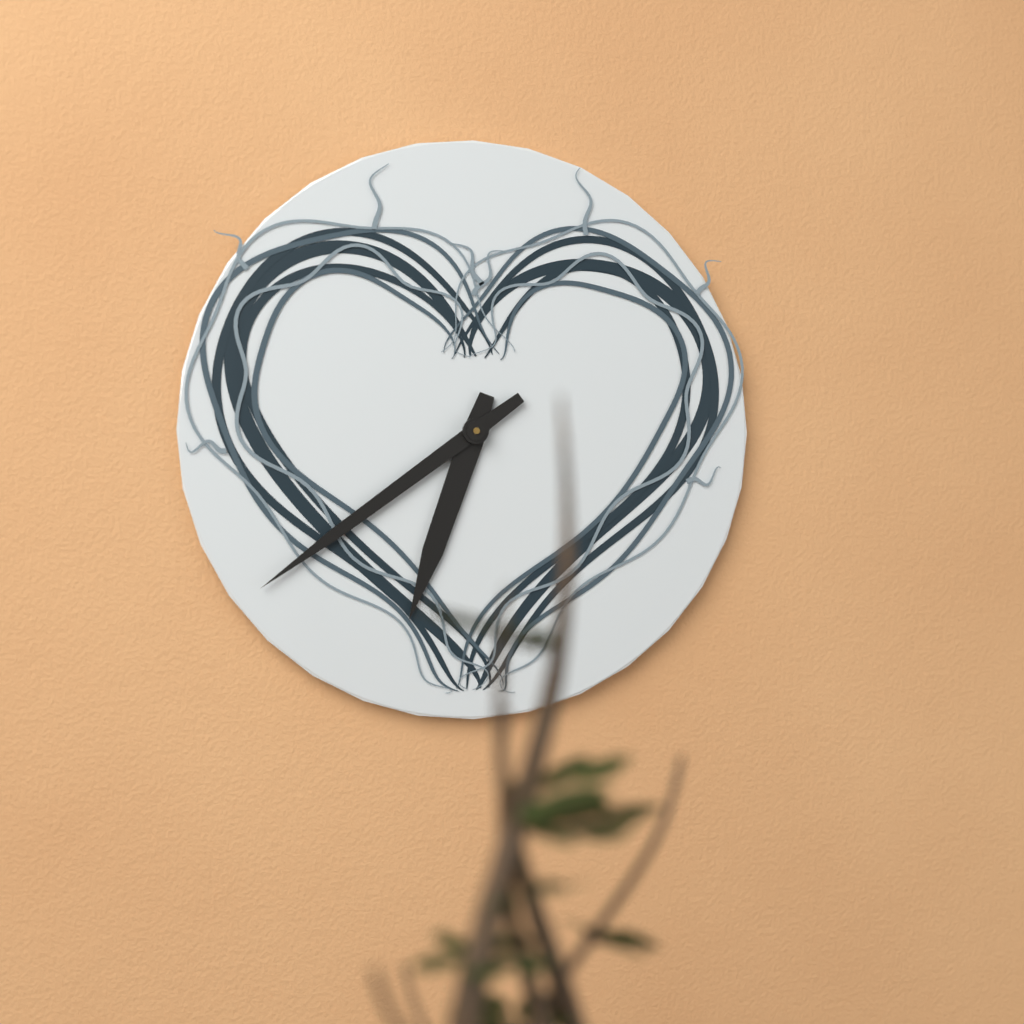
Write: 6 h 39 min
